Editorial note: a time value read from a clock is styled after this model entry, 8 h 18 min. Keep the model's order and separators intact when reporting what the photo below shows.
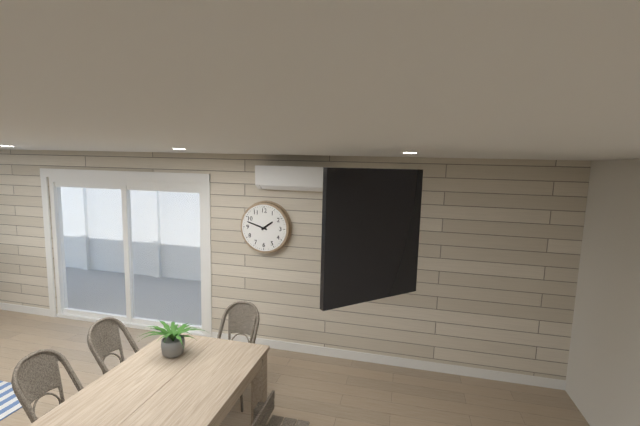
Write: 1 h 48 min
